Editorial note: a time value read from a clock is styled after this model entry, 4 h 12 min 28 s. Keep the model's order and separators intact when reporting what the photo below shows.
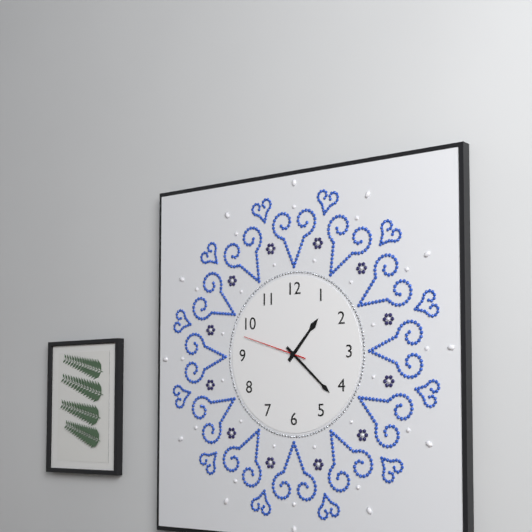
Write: 1 h 22 min 48 s
